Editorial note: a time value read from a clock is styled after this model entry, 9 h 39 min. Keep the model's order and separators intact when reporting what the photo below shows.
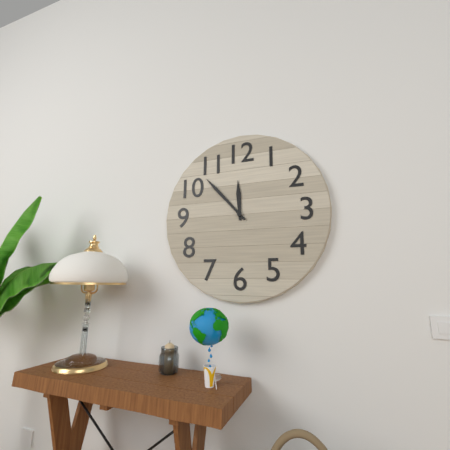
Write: 11 h 53 min
